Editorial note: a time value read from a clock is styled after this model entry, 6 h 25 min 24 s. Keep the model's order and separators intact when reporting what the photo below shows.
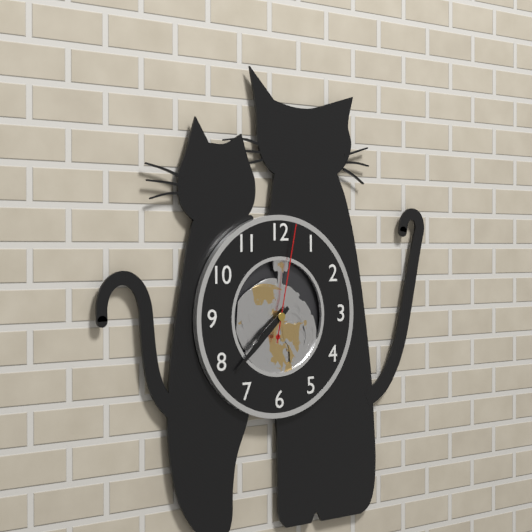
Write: 7 h 38 min 02 s
